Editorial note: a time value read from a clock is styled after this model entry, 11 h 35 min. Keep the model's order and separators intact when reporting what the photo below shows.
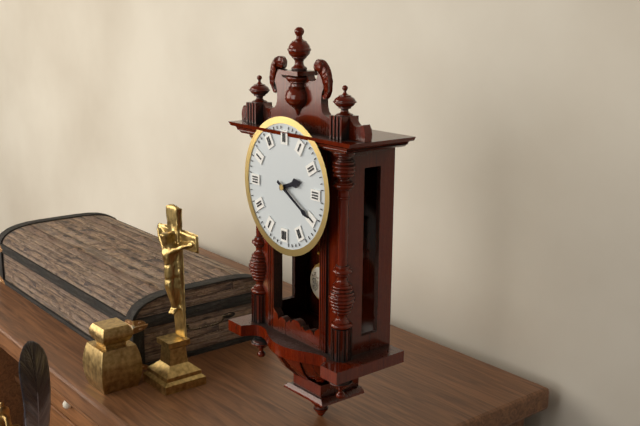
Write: 2 h 20 min
